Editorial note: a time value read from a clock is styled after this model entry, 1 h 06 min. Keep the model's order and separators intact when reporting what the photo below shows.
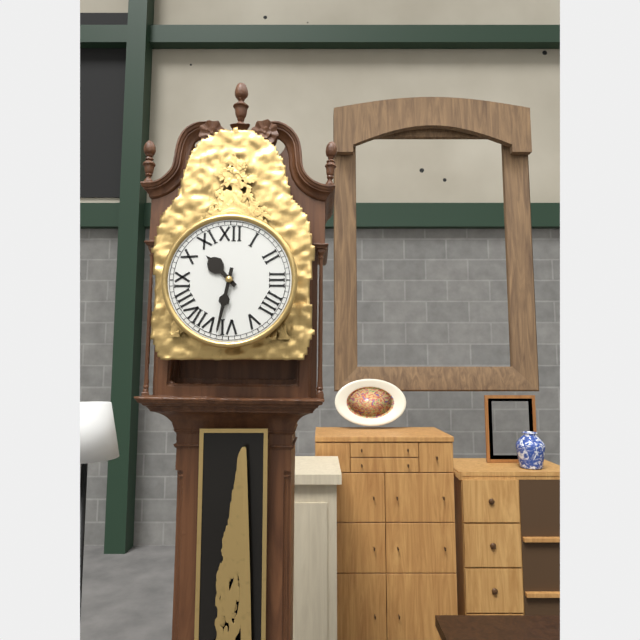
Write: 10 h 32 min
